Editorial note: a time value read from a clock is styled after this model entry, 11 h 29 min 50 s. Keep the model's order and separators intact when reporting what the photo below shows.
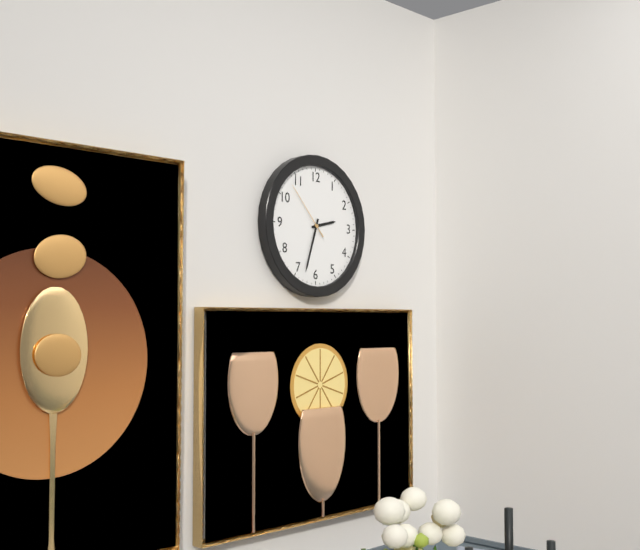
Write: 2 h 33 min 53 s
